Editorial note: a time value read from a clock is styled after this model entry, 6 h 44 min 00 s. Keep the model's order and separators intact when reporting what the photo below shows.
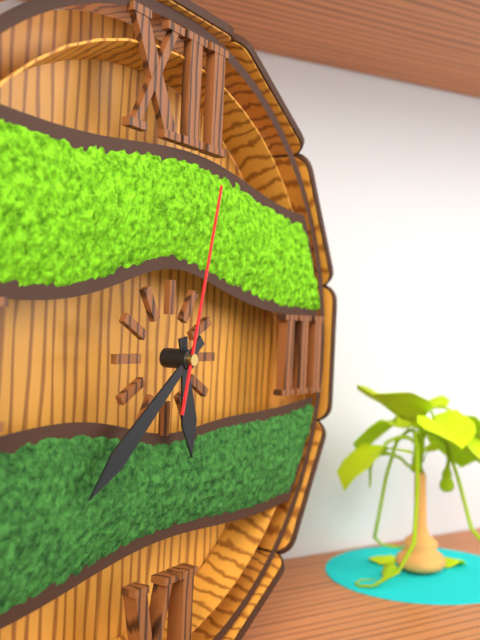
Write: 5 h 38 min 02 s
